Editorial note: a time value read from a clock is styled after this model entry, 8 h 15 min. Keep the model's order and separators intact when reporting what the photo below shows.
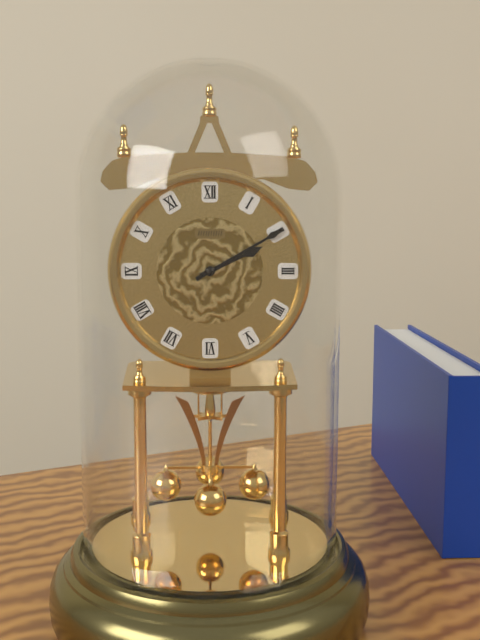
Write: 2 h 10 min
